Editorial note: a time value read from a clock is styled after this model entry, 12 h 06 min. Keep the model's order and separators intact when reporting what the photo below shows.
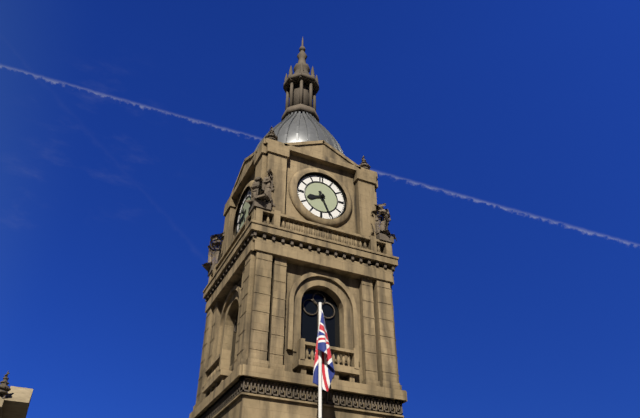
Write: 8 h 26 min
